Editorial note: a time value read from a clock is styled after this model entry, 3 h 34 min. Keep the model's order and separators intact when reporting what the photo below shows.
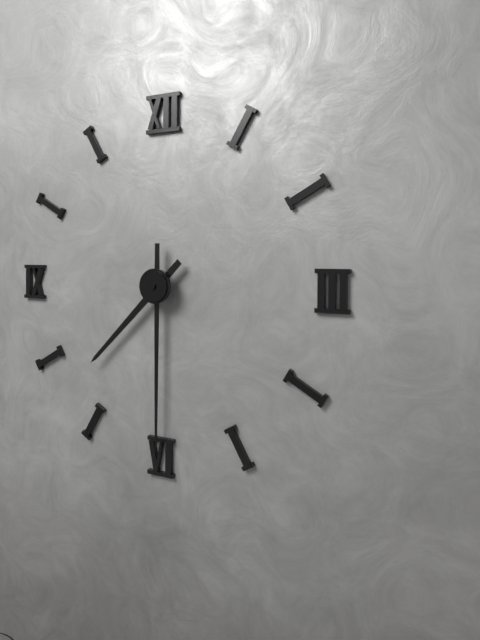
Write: 7 h 30 min
